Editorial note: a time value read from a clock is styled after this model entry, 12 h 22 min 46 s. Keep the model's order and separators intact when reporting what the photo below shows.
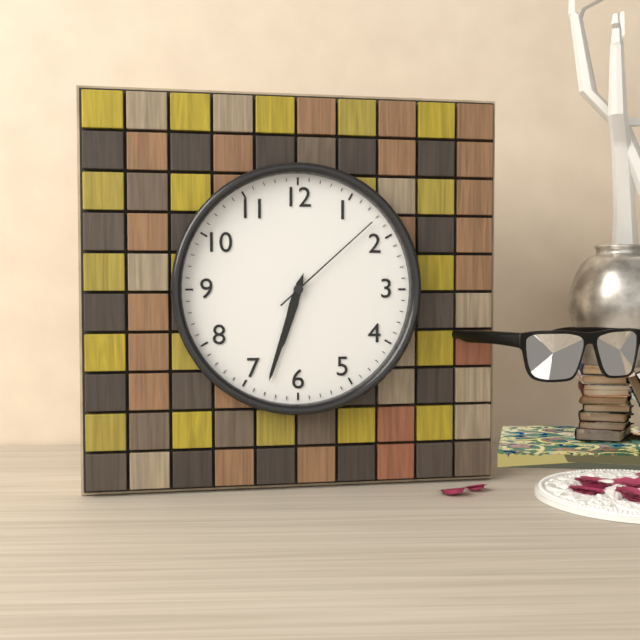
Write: 6 h 33 min 08 s
